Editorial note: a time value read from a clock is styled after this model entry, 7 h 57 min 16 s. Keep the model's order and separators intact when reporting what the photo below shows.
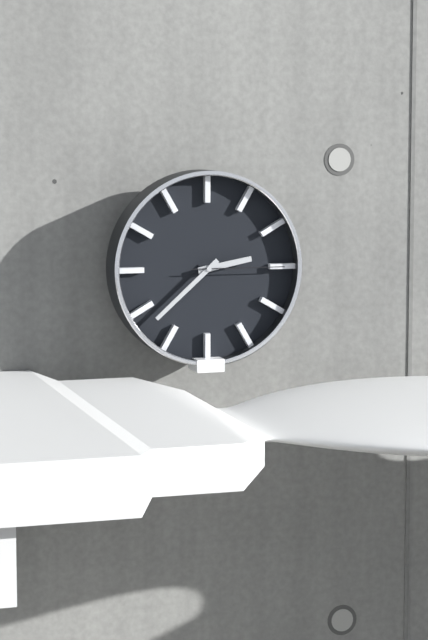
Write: 2 h 38 min 15 s
